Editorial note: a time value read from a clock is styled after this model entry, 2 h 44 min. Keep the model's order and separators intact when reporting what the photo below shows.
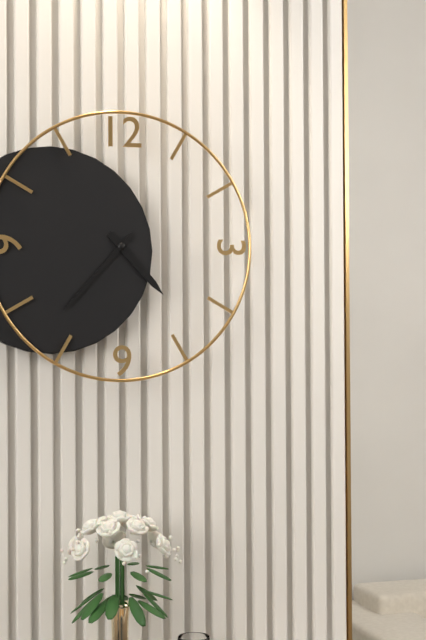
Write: 4 h 37 min
